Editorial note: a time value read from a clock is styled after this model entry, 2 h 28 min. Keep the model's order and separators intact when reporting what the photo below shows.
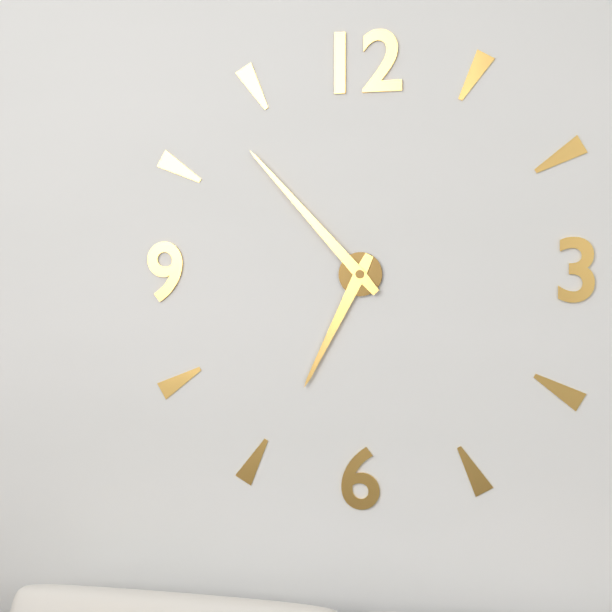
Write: 6 h 53 min
